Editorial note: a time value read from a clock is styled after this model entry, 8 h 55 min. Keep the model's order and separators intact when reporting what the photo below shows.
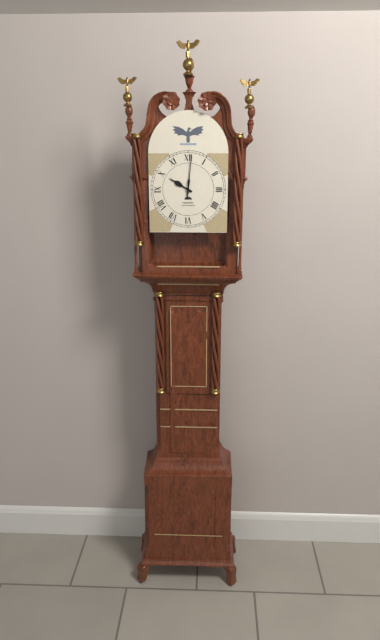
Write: 10 h 01 min
